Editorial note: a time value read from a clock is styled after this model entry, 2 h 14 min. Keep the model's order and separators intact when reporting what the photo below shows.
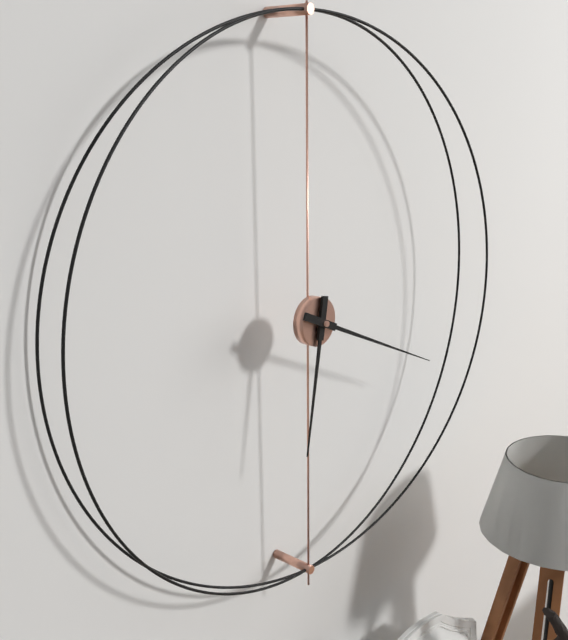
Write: 6 h 19 min
